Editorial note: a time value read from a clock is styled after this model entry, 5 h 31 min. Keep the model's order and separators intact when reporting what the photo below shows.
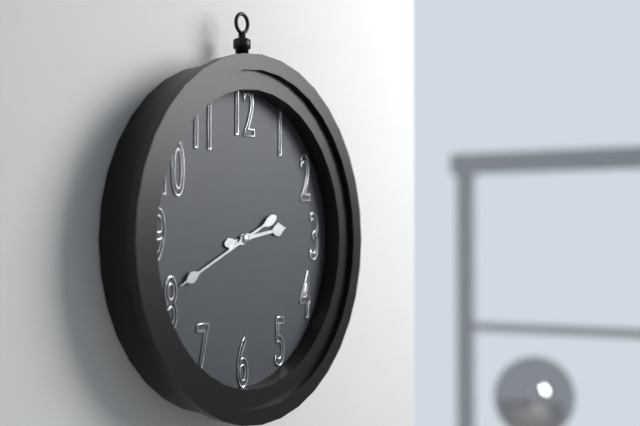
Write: 2 h 41 min
